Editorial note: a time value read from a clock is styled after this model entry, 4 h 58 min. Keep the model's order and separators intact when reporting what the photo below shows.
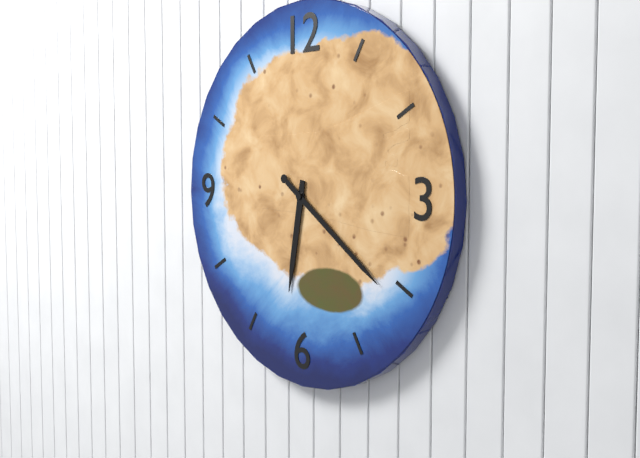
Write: 6 h 21 min
